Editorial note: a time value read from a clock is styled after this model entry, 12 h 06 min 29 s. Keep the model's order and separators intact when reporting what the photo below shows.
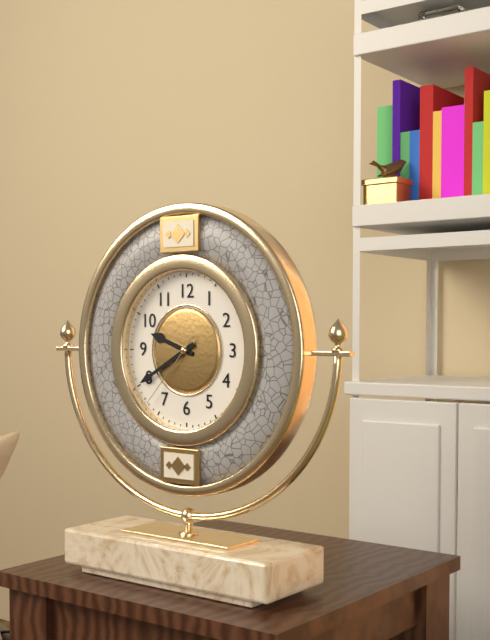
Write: 9 h 40 min 37 s
